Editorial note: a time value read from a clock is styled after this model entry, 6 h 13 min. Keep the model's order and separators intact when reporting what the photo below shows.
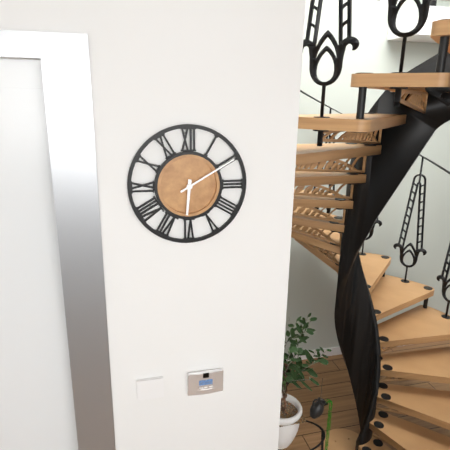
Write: 6 h 10 min
